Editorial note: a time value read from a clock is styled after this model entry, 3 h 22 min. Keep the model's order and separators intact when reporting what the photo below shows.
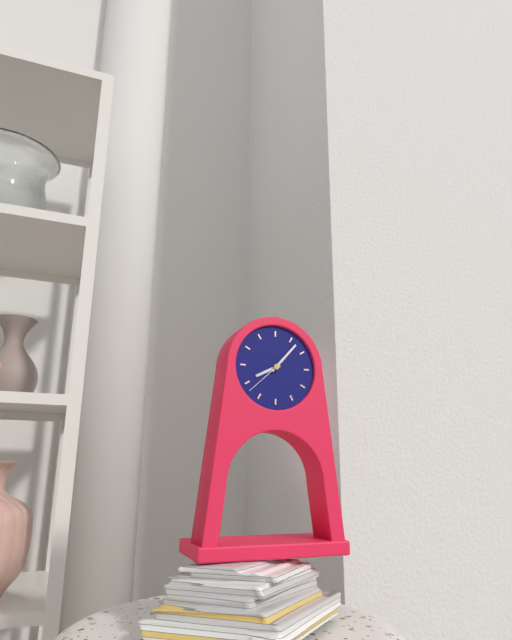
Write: 8 h 07 min
